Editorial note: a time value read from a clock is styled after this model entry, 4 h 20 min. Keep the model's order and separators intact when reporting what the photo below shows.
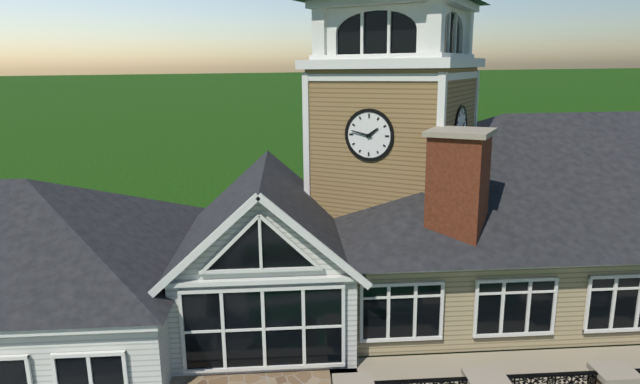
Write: 1 h 47 min
